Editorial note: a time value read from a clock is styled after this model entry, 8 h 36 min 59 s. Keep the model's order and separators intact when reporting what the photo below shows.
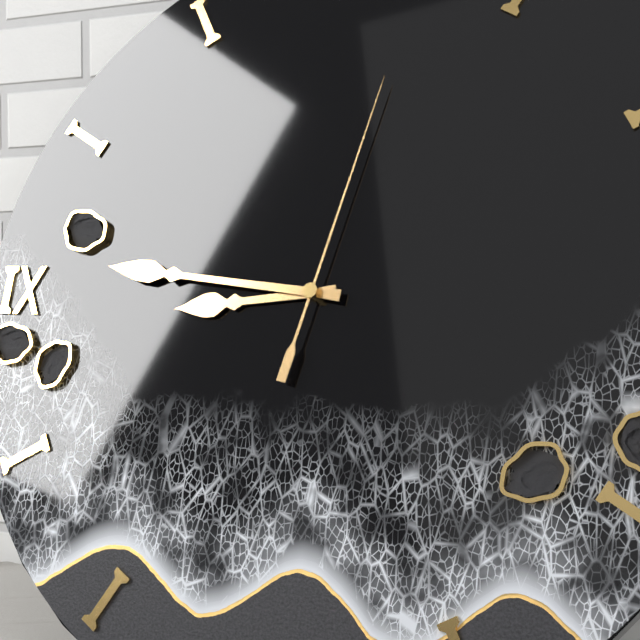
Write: 8 h 46 min 02 s
